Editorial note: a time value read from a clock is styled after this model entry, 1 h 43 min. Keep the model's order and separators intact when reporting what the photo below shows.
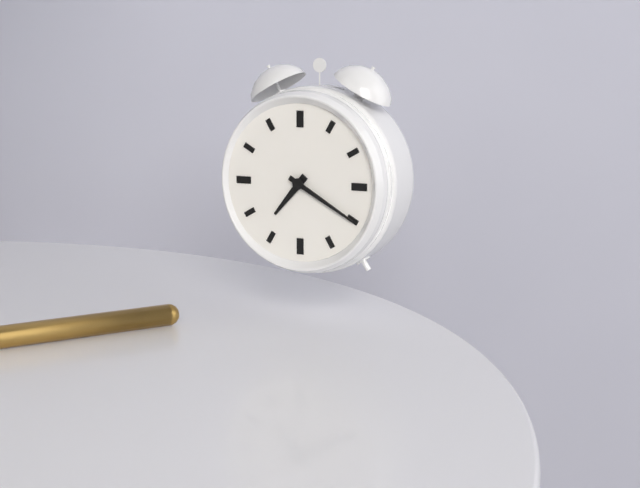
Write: 7 h 20 min
